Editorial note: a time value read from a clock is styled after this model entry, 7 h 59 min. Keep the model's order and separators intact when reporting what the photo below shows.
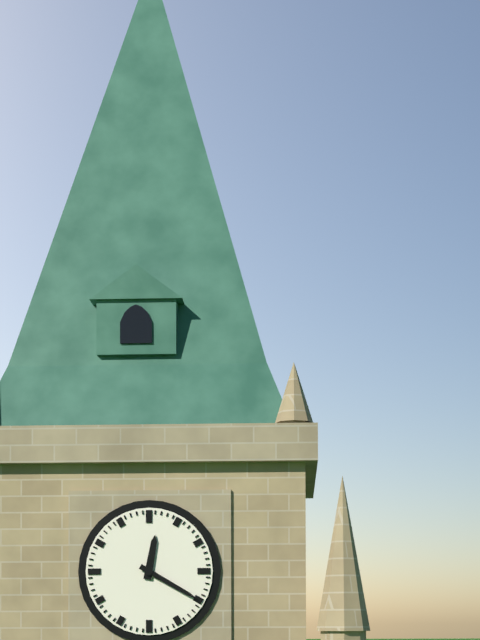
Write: 12 h 20 min
